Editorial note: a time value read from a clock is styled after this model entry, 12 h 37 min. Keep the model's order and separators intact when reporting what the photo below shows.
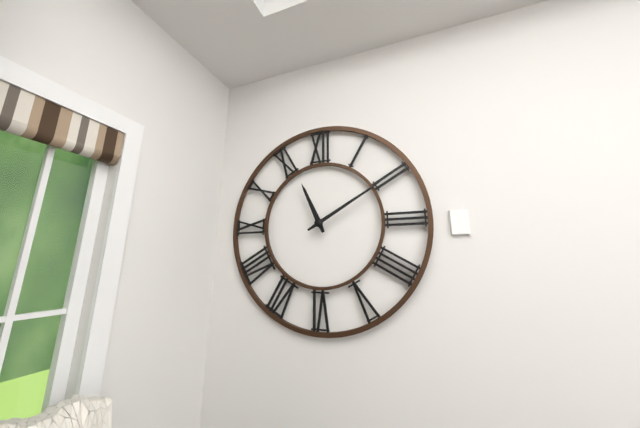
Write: 11 h 10 min
